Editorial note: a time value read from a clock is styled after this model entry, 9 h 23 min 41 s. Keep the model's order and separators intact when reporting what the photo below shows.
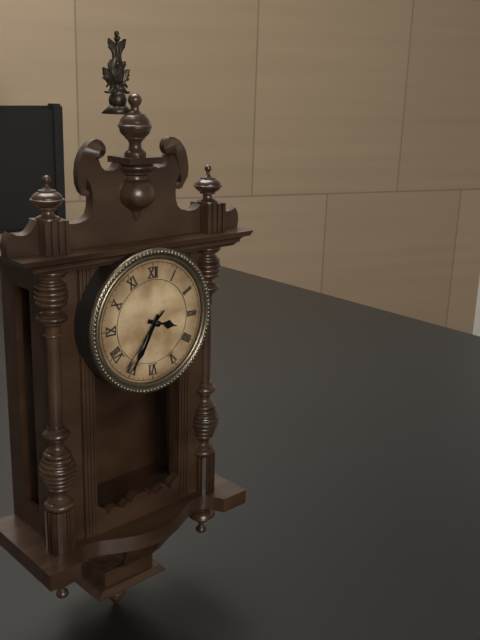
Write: 3 h 35 min 37 s
